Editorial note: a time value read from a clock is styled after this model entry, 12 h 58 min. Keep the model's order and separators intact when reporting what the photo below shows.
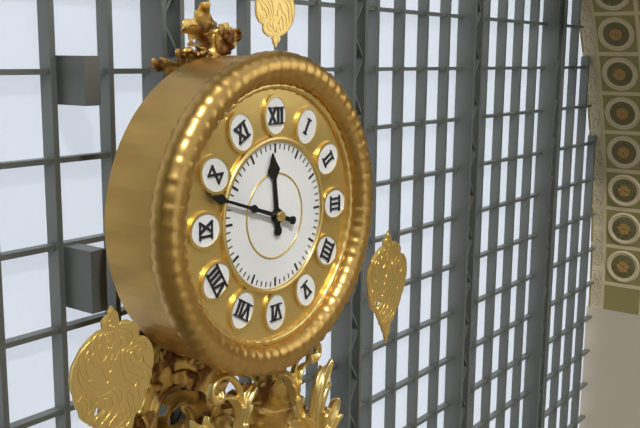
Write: 11 h 48 min
